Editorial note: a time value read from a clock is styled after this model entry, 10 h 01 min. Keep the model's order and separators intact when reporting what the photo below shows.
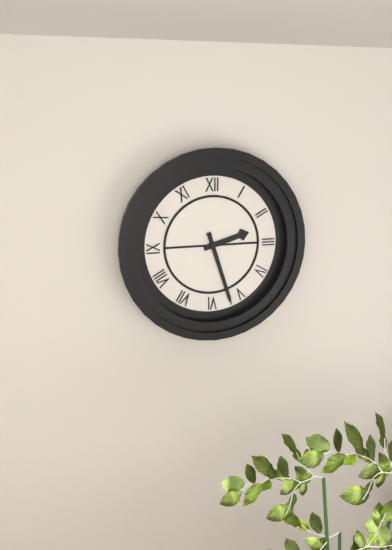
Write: 2 h 27 min
